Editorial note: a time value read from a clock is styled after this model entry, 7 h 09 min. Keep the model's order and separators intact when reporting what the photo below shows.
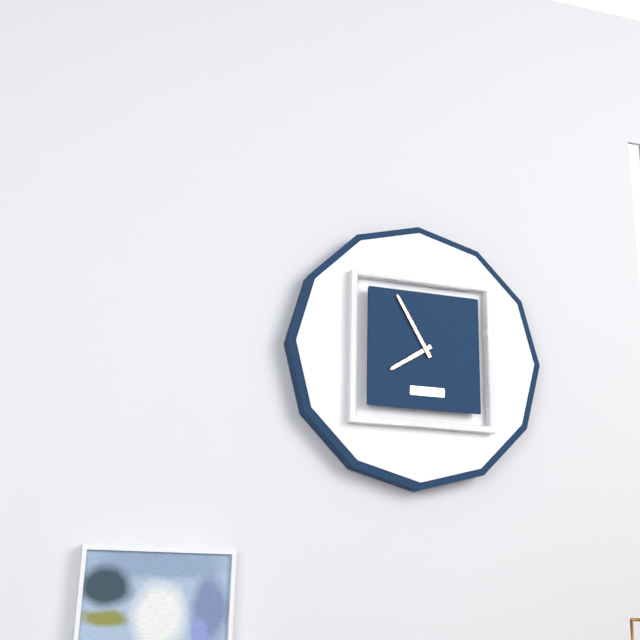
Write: 7 h 55 min
